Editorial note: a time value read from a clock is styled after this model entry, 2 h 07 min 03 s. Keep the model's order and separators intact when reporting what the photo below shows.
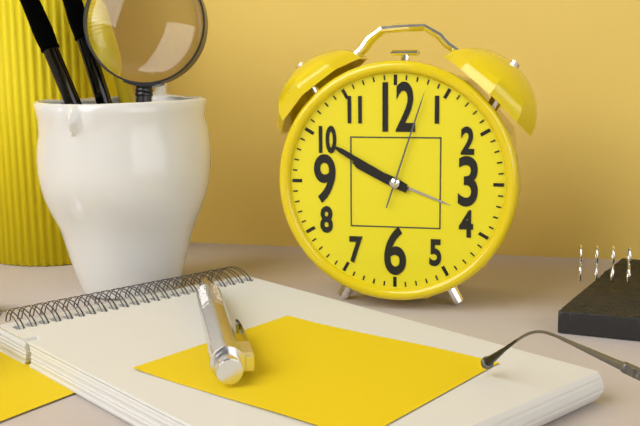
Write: 9 h 50 min 03 s
